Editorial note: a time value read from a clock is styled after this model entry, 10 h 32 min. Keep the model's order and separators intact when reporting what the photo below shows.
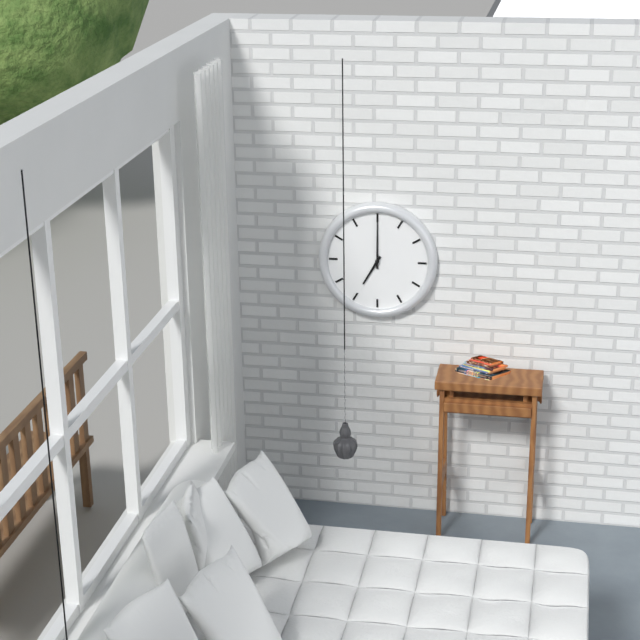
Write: 7 h 00 min
